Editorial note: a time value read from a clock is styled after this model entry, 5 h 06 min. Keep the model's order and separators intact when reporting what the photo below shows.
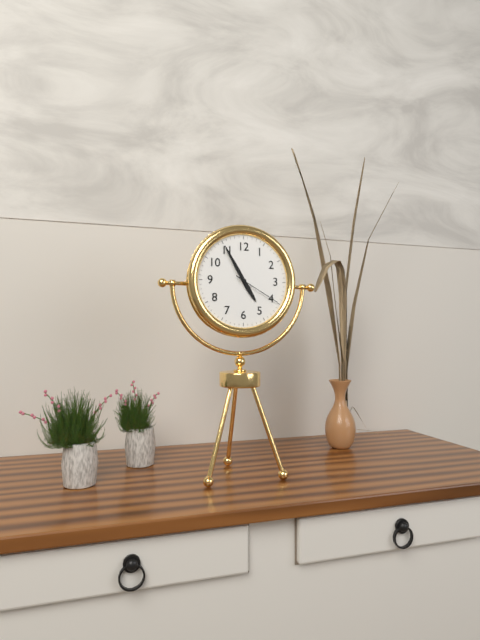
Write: 4 h 55 min
